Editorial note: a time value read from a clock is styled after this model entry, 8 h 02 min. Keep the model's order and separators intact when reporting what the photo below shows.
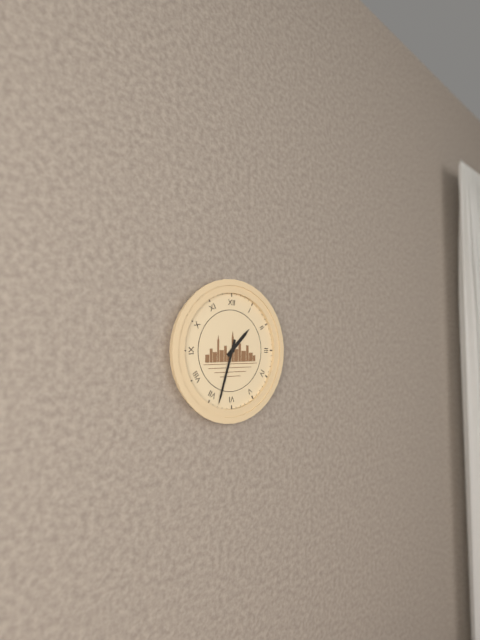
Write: 1 h 33 min
